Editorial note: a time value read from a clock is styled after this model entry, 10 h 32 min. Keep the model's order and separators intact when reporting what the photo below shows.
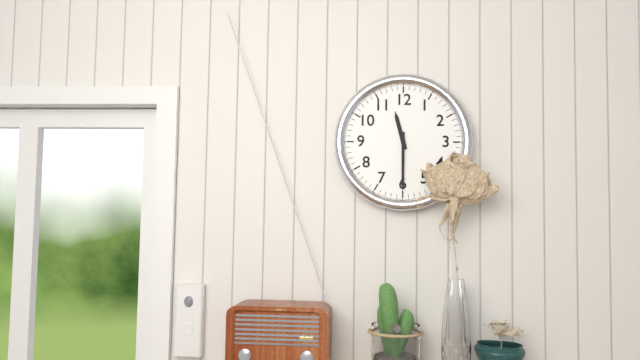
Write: 11 h 30 min
